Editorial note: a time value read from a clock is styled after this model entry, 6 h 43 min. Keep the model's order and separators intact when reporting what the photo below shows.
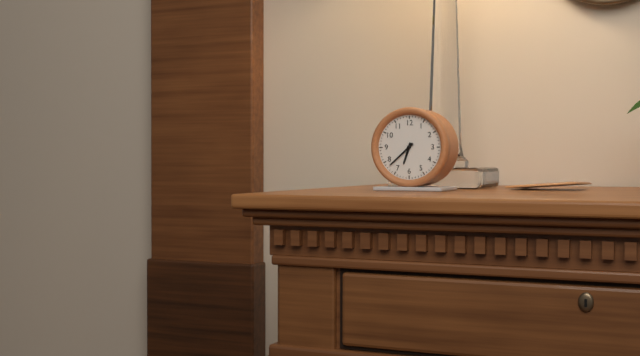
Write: 6 h 38 min
